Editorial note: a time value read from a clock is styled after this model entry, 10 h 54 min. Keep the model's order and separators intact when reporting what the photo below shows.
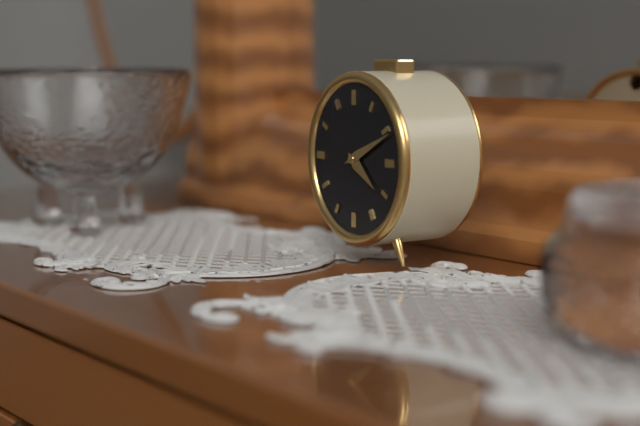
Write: 4 h 11 min
